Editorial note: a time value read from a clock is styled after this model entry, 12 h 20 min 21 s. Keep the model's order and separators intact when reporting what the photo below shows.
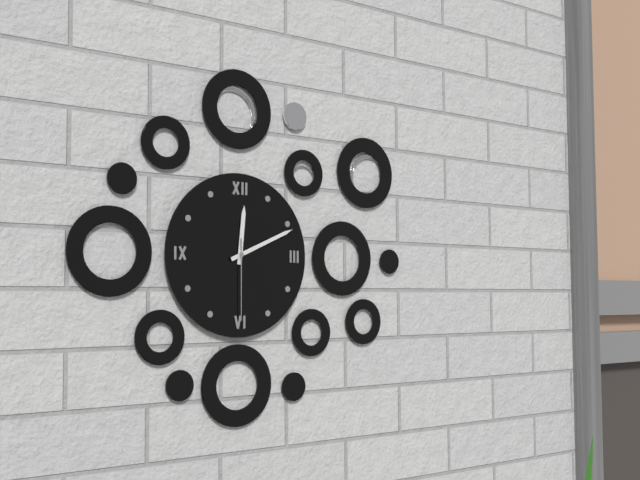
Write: 12 h 11 min 30 s
